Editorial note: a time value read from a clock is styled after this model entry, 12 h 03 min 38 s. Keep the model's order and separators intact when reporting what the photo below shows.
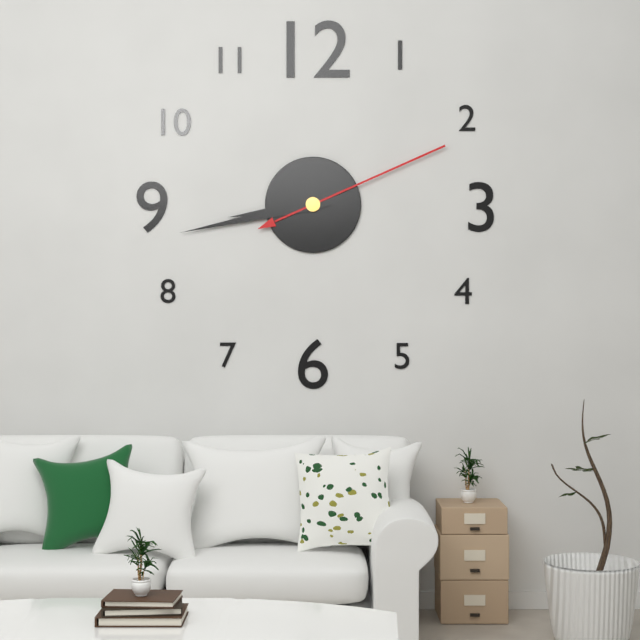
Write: 8 h 43 min 11 s
